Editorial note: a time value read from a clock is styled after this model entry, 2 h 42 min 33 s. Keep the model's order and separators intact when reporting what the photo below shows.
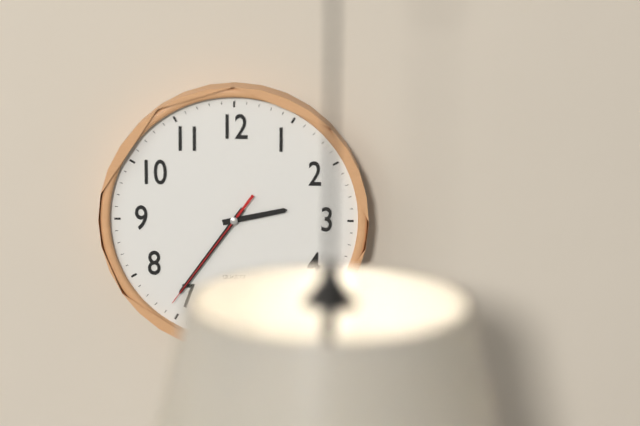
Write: 2 h 36 min 36 s
